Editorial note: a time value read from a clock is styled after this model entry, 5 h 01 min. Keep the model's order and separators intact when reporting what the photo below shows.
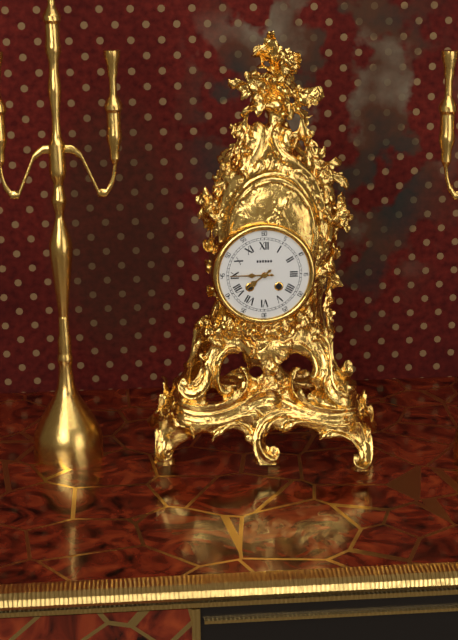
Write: 7 h 45 min
